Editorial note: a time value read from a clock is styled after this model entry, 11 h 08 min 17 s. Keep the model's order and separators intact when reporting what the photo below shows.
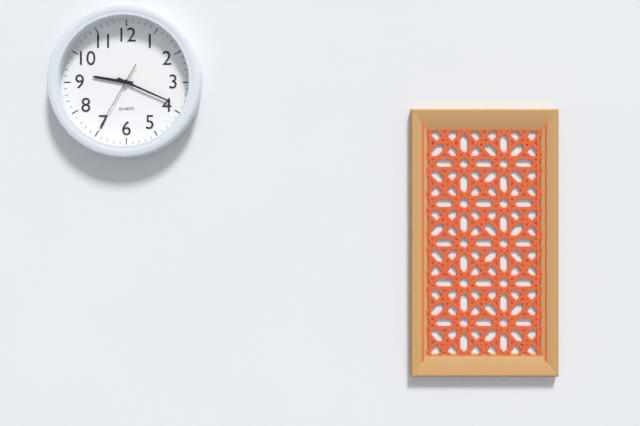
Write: 9 h 19 min 35 s
